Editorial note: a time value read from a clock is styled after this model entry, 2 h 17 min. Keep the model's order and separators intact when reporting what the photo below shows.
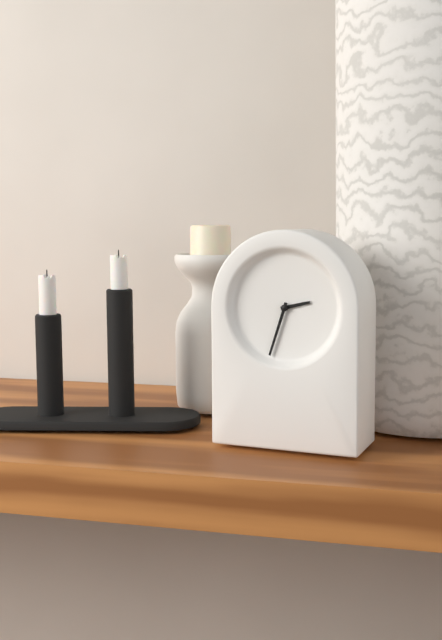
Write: 2 h 33 min
